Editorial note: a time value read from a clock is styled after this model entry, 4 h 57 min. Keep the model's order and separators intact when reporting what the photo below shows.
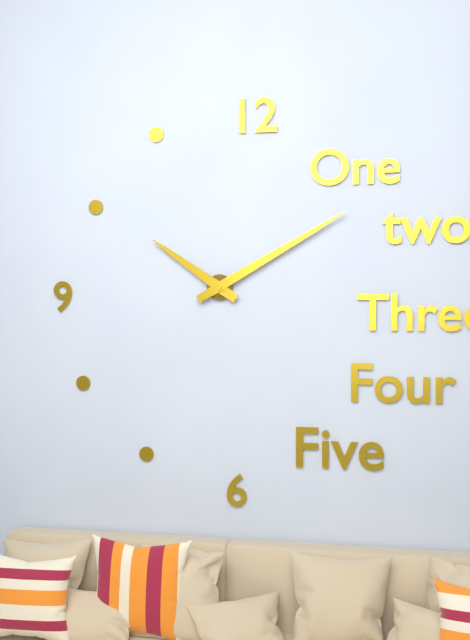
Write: 10 h 10 min
